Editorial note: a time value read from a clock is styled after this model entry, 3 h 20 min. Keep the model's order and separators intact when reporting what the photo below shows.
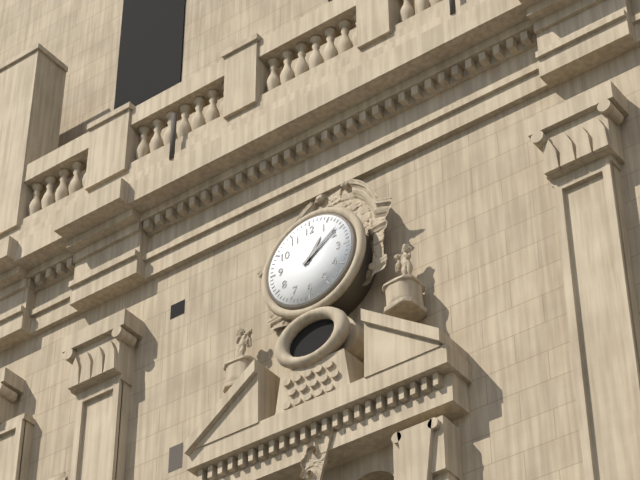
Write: 1 h 09 min
